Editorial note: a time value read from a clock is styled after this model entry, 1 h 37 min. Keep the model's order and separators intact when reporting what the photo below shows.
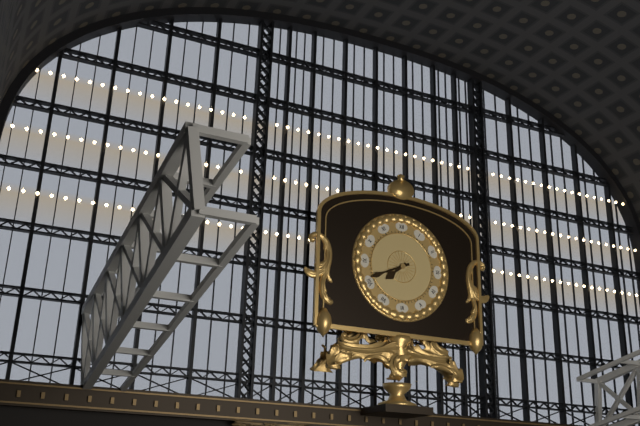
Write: 7 h 41 min
